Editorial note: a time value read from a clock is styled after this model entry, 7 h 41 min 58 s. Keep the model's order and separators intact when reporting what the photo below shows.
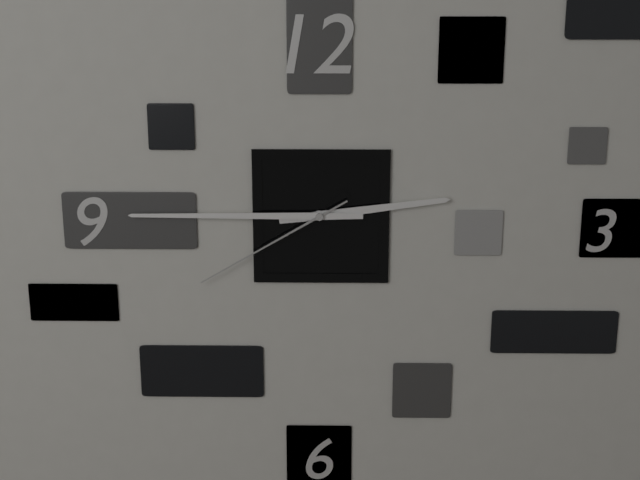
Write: 2 h 45 min 40 s
